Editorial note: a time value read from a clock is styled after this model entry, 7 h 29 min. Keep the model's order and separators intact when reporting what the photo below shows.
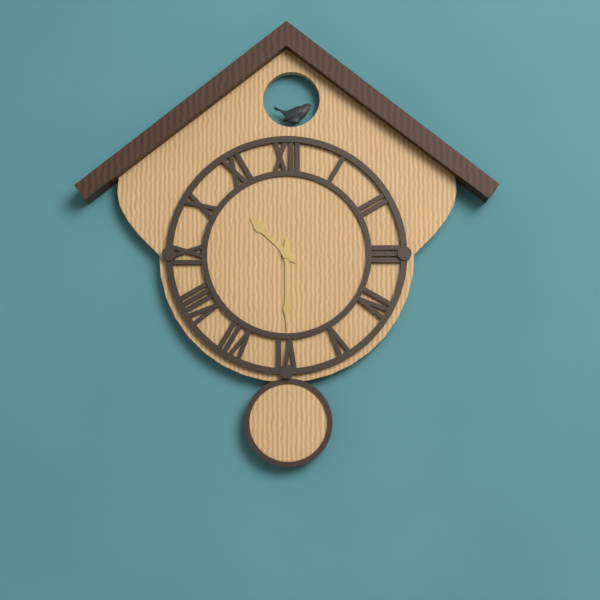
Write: 10 h 30 min
